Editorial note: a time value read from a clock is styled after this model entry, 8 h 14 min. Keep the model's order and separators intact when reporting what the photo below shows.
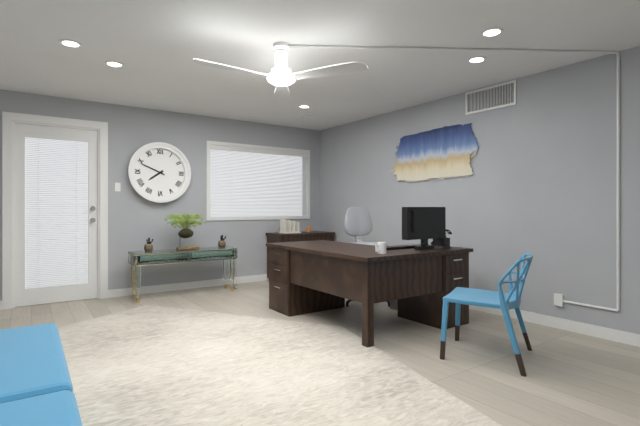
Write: 7 h 49 min
